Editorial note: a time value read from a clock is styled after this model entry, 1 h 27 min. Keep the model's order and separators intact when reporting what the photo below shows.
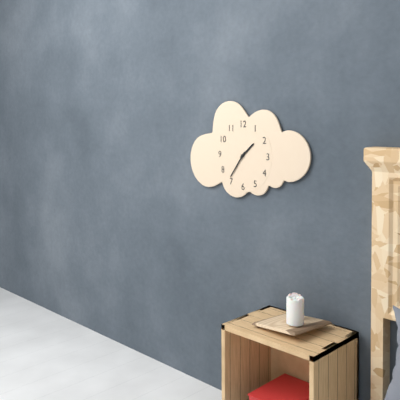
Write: 1 h 36 min
